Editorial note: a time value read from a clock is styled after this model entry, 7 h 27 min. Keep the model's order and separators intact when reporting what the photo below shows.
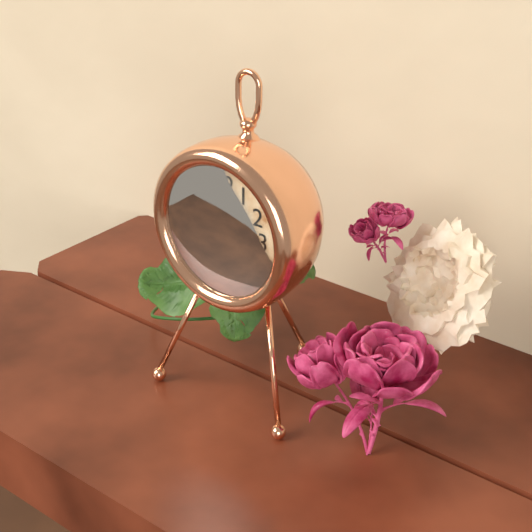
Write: 8 h 59 min
